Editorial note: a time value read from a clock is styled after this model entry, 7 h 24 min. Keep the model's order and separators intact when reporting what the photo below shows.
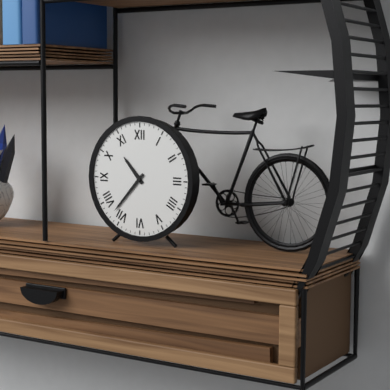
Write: 10 h 37 min
